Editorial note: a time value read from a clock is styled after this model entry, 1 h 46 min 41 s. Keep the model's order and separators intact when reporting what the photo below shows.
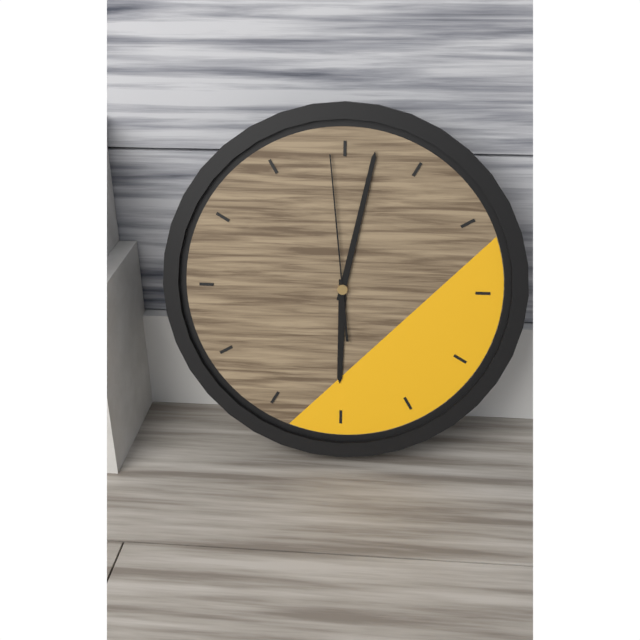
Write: 6 h 02 min 59 s
